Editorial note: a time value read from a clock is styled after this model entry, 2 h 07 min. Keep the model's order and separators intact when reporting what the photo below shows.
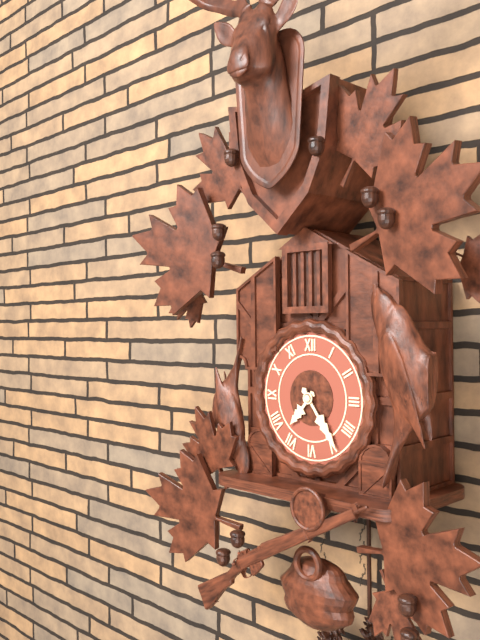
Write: 7 h 24 min
